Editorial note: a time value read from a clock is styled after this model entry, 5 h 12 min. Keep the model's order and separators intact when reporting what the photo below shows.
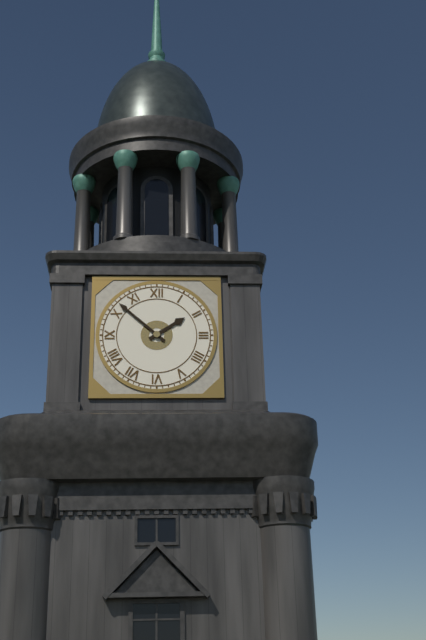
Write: 1 h 52 min
